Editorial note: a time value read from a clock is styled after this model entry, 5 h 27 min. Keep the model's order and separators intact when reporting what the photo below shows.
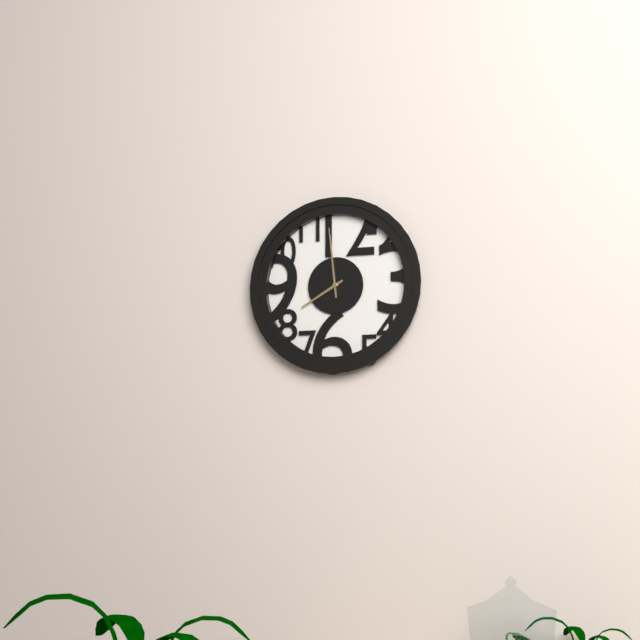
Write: 7 h 59 min
